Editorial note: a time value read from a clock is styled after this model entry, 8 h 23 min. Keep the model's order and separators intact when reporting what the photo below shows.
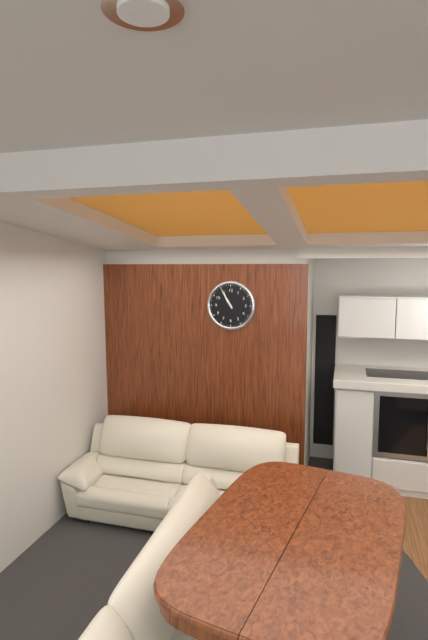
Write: 10 h 55 min
